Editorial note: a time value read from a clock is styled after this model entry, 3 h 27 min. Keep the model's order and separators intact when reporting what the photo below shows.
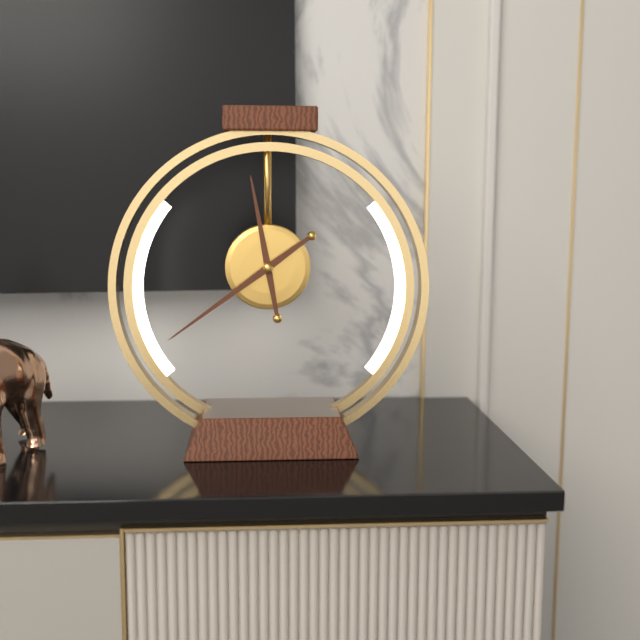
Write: 11 h 39 min
